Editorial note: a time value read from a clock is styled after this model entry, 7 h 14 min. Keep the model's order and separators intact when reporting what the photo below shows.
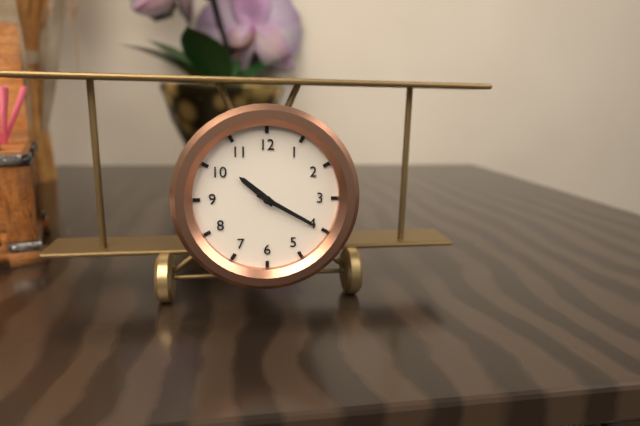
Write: 10 h 20 min
